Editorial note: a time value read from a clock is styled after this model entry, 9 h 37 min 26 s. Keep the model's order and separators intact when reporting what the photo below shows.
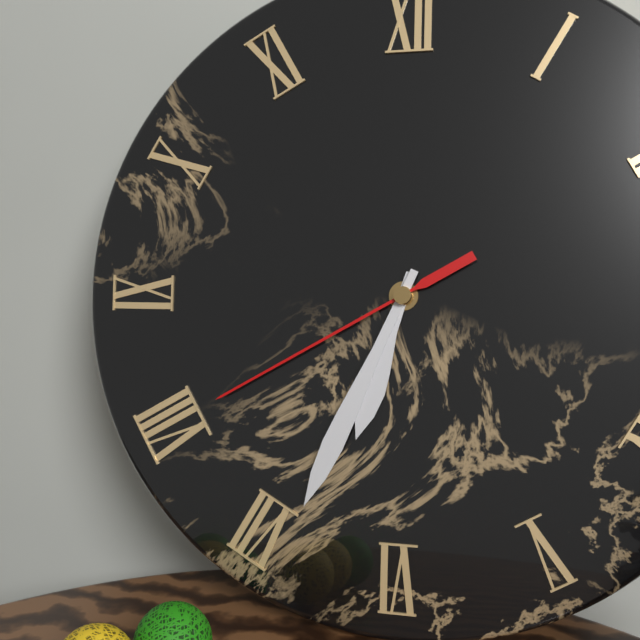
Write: 6 h 34 min 40 s
